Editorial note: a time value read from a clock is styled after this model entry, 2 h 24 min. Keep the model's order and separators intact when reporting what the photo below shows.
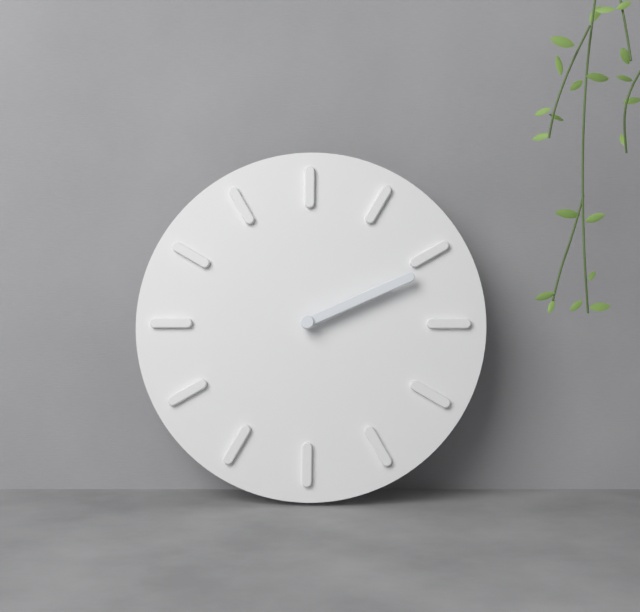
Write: 2 h 11 min
